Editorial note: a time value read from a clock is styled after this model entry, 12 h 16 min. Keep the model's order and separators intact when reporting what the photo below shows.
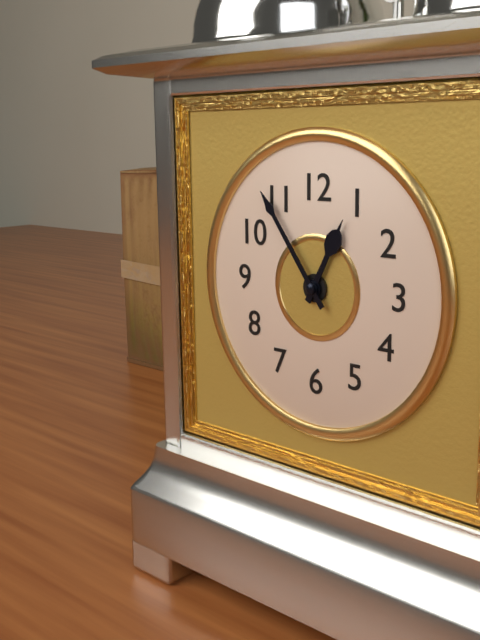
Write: 12 h 54 min
